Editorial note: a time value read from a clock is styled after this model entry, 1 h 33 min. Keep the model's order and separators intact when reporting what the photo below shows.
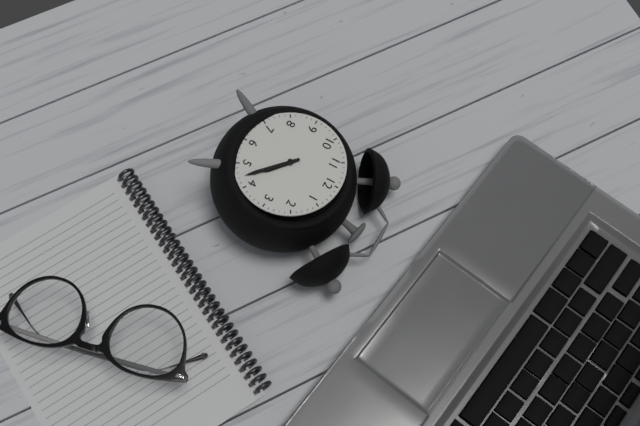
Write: 4 h 22 min
